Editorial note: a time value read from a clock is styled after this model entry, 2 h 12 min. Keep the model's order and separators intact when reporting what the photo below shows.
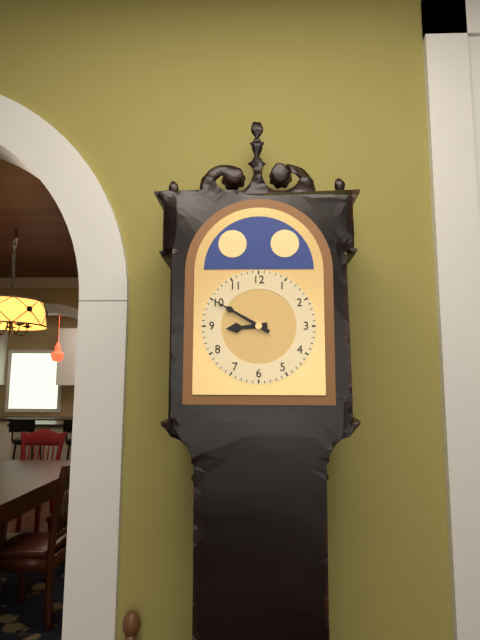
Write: 8 h 50 min
